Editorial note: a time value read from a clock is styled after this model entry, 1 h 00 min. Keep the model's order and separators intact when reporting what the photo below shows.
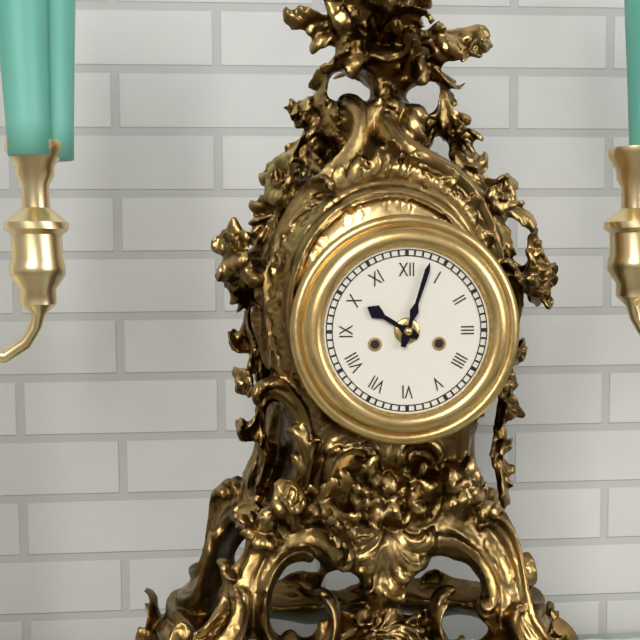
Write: 10 h 03 min
